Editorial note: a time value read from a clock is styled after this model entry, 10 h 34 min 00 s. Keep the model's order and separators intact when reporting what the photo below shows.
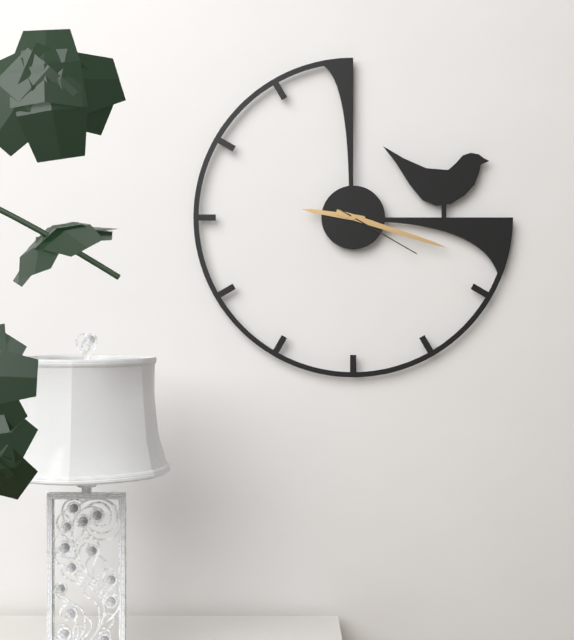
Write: 9 h 18 min 20 s
